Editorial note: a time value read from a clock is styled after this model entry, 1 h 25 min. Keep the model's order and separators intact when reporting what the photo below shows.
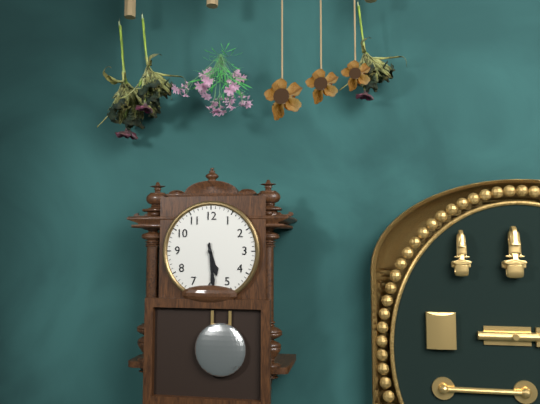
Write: 5 h 29 min
